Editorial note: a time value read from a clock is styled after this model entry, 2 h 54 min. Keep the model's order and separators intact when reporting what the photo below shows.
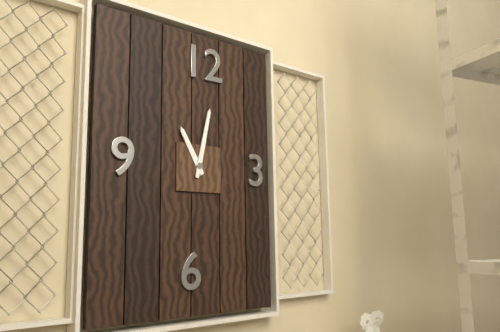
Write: 11 h 02 min
